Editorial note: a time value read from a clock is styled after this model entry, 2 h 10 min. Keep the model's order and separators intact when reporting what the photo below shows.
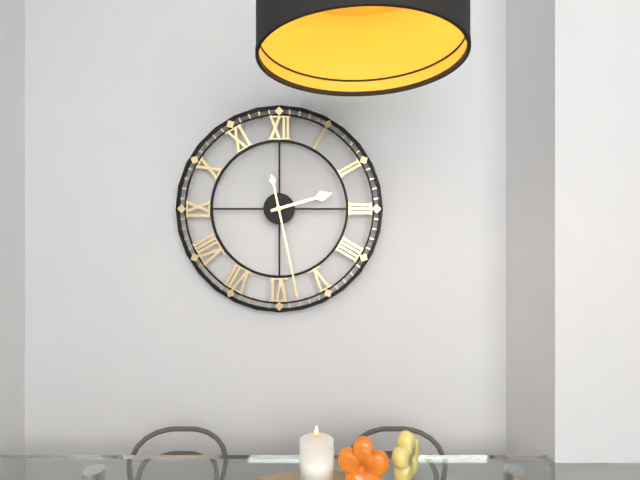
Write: 2 h 28 min
